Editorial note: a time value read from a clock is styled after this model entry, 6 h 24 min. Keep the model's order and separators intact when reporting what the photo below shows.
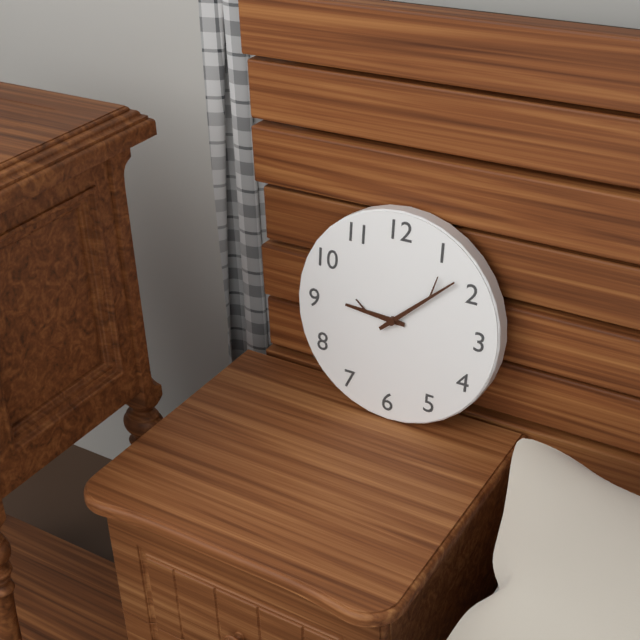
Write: 9 h 08 min
